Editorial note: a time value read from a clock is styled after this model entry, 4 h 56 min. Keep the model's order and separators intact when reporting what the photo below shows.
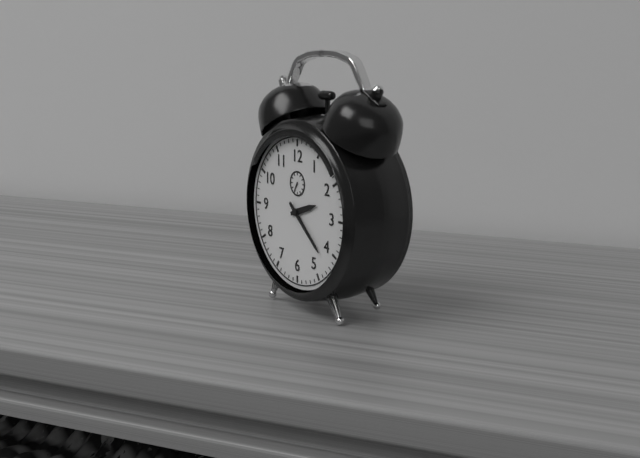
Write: 2 h 22 min
